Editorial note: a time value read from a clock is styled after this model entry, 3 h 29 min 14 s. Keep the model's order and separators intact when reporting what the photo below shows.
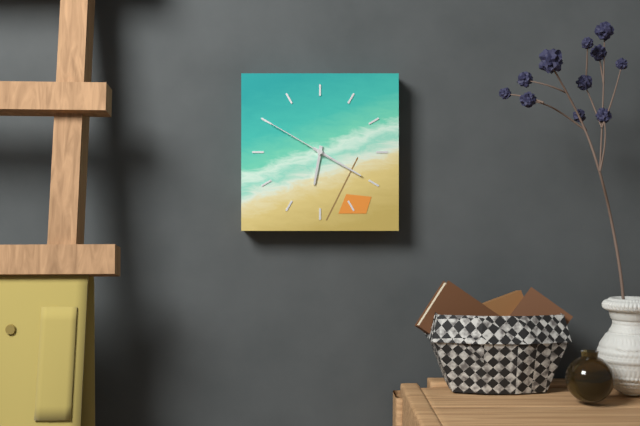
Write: 6 h 20 min 50 s
